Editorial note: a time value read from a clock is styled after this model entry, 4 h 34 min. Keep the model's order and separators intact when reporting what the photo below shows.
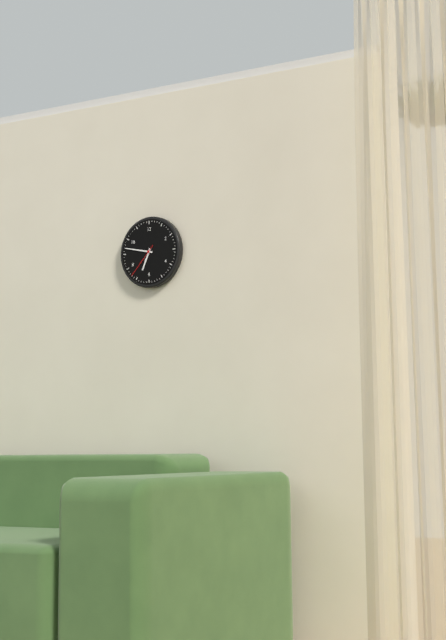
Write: 6 h 47 min
